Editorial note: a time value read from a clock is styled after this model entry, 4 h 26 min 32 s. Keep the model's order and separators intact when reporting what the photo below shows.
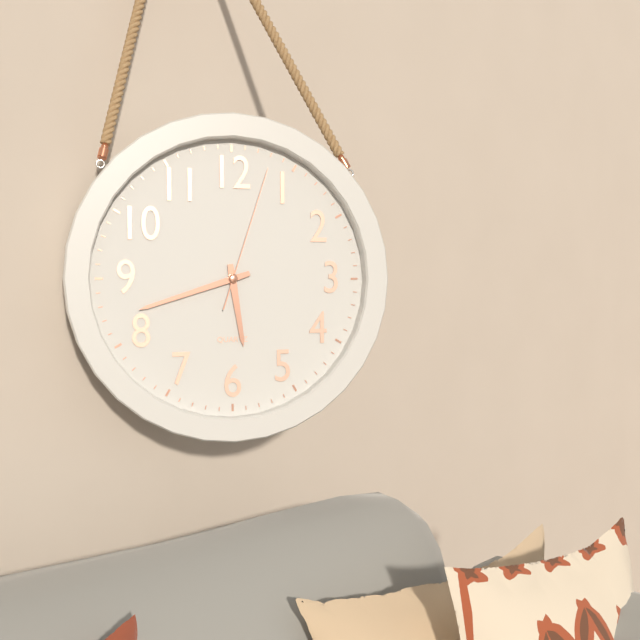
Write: 5 h 42 min 03 s
